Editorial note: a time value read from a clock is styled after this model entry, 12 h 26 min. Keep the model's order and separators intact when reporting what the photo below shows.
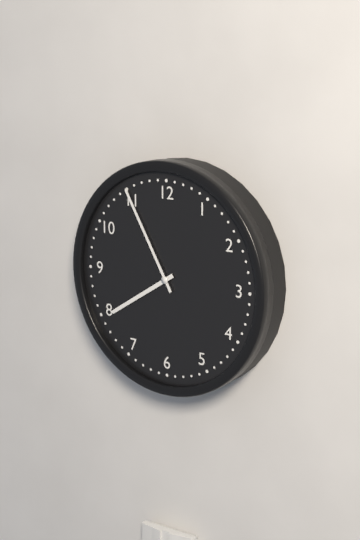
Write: 7 h 55 min
